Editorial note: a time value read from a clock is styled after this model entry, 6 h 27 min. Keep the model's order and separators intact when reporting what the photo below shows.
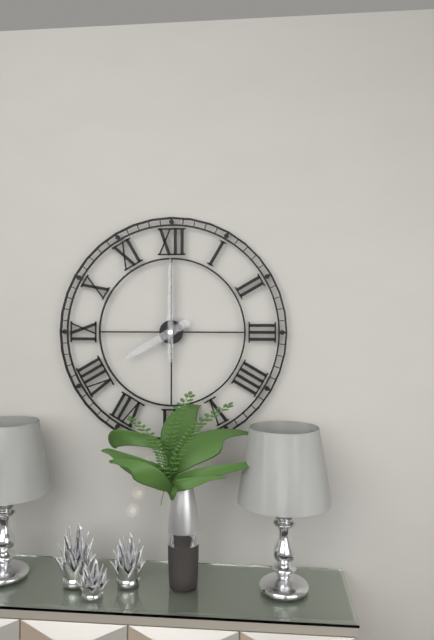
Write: 8 h 00 min
